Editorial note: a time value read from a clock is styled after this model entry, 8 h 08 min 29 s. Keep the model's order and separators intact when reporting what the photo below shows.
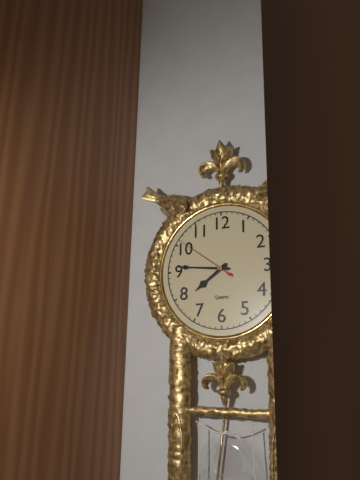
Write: 7 h 46 min 51 s
